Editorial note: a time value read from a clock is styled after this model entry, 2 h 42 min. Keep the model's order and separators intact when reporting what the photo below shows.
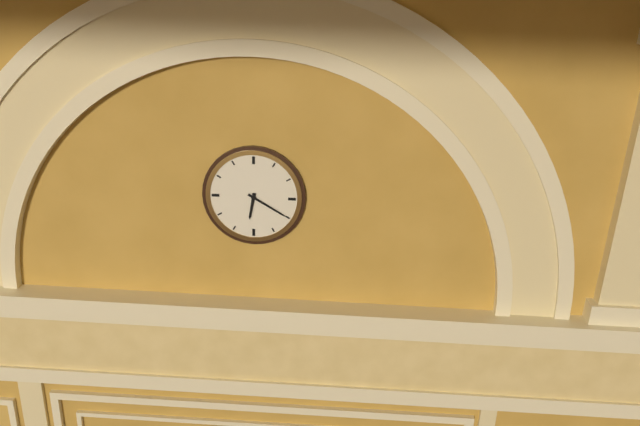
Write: 6 h 20 min
